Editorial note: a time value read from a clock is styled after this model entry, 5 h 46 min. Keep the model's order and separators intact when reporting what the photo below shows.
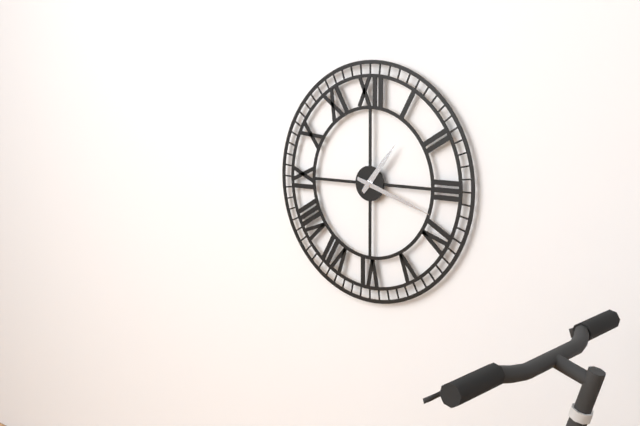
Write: 1 h 18 min
